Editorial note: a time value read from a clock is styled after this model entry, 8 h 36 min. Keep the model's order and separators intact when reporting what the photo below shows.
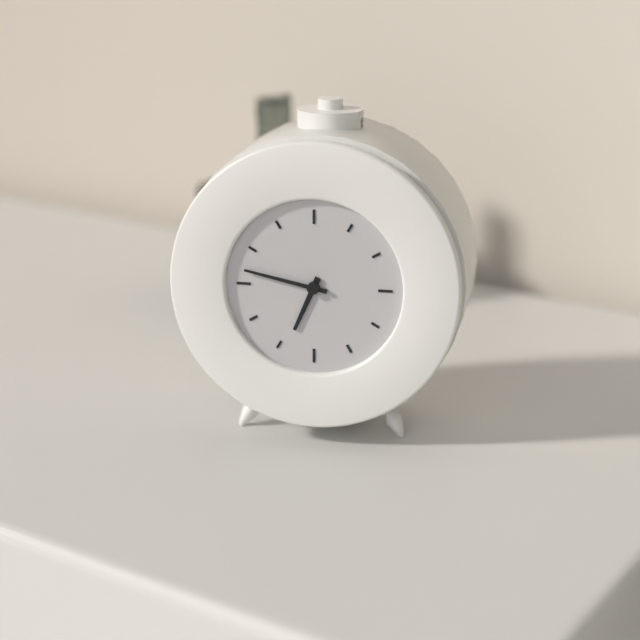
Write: 6 h 47 min
